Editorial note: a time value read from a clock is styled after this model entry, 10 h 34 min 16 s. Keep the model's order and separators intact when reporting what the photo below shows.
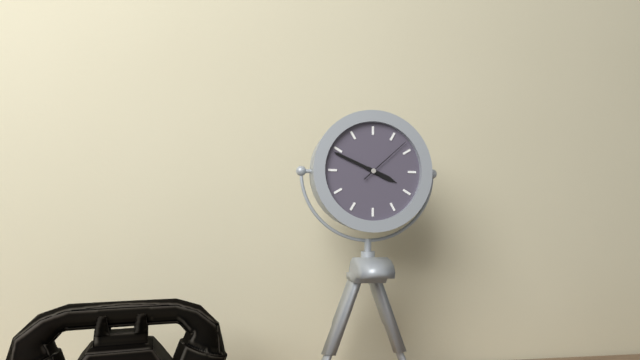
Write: 3 h 49 min 08 s
